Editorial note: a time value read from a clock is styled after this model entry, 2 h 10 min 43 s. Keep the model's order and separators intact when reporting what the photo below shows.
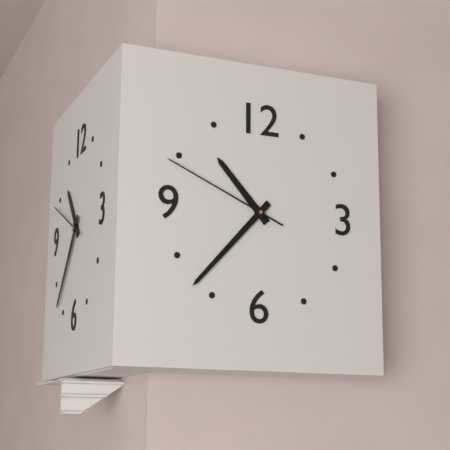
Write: 10 h 37 min 49 s
